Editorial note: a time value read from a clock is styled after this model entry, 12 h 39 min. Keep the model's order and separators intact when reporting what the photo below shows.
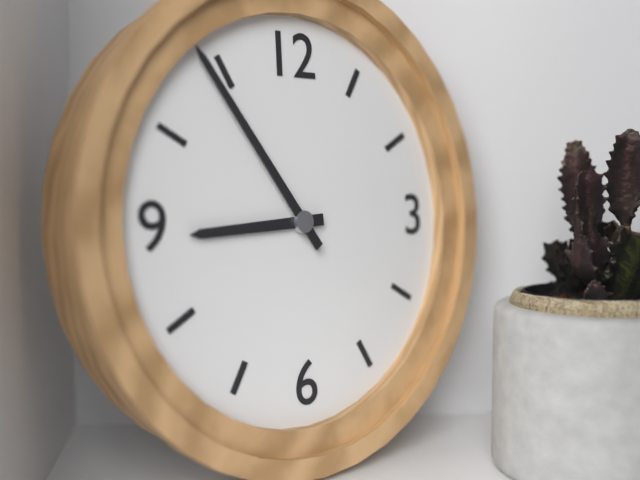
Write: 8 h 54 min
